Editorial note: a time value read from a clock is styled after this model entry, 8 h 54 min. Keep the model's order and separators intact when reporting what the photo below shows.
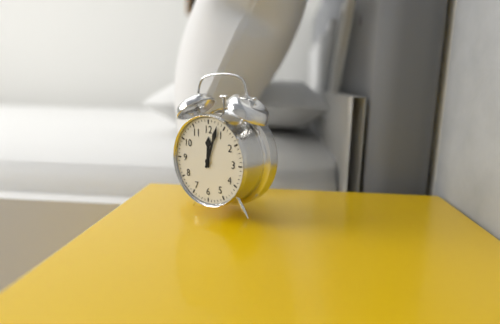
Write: 12 h 03 min
